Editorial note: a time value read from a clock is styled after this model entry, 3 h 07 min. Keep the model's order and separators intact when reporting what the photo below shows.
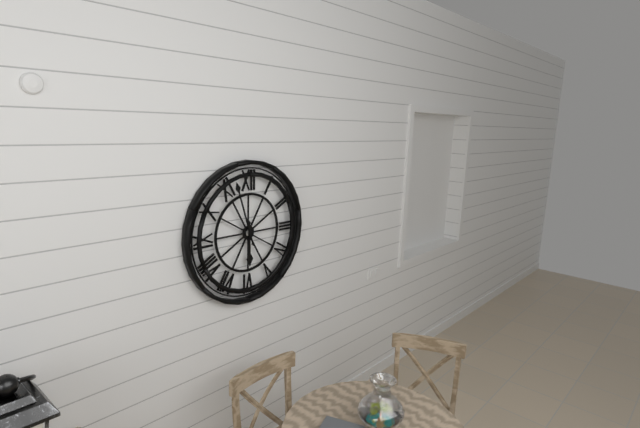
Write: 5 h 57 min
